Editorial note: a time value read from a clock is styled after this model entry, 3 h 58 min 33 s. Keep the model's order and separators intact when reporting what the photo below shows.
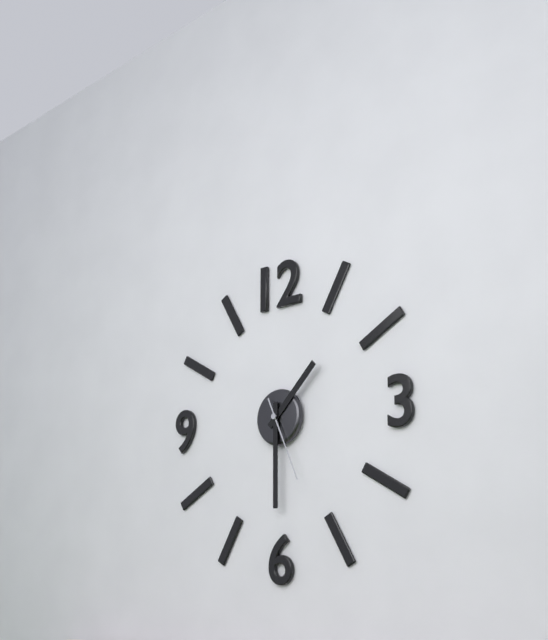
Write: 1 h 30 min 26 s
